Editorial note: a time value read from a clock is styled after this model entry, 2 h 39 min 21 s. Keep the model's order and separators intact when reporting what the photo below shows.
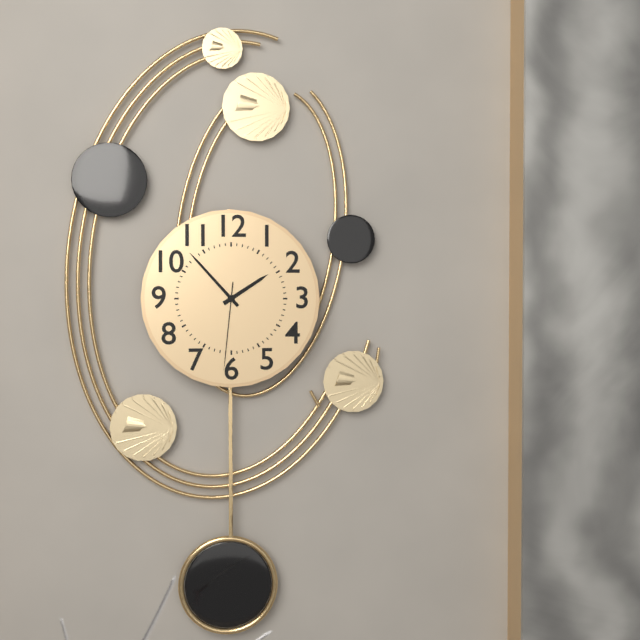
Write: 1 h 53 min 31 s
